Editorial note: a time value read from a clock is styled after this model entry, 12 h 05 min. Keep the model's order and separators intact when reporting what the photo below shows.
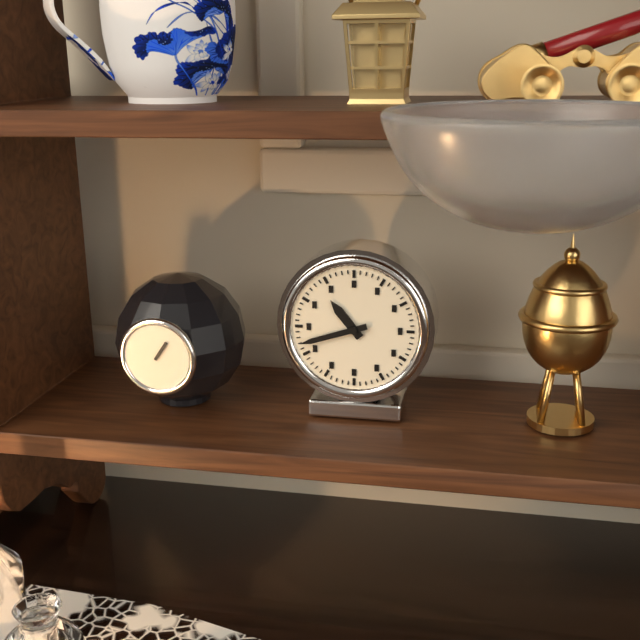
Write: 10 h 42 min
